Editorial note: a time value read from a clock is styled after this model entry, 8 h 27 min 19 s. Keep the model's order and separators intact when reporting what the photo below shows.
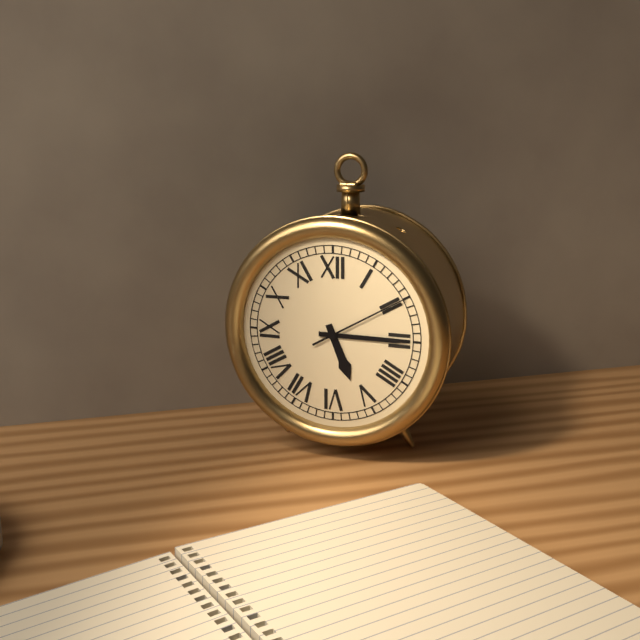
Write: 5 h 15 min 10 s
